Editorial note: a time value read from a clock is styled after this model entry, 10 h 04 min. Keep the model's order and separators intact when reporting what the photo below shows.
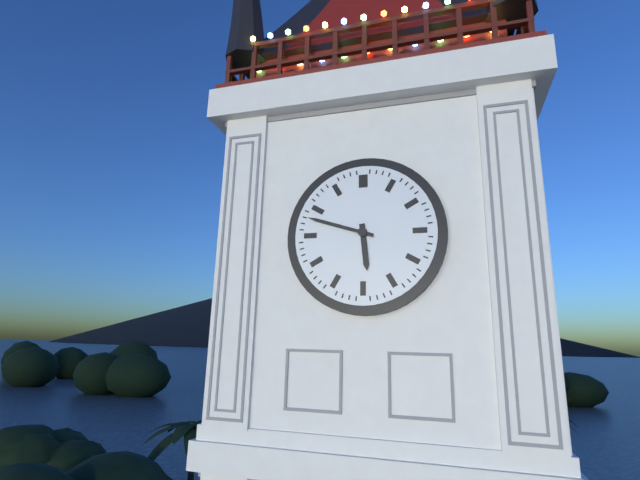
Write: 5 h 48 min
